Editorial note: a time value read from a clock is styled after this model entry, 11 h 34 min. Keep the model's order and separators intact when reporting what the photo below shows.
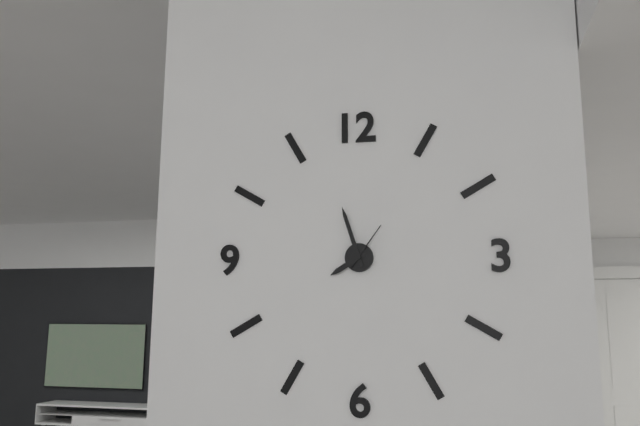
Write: 7 h 57 min
